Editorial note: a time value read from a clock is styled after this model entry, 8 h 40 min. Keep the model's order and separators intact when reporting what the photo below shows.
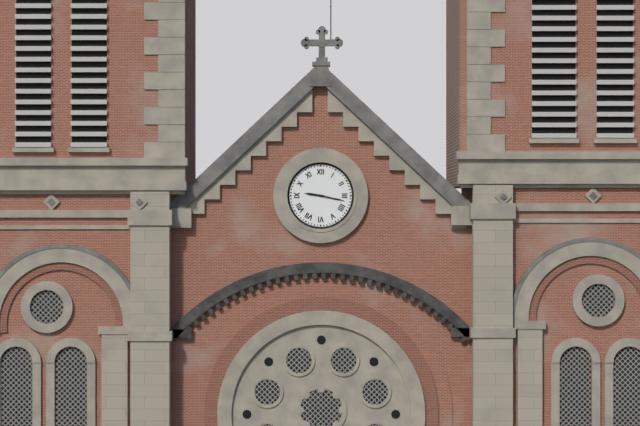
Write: 9 h 17 min
